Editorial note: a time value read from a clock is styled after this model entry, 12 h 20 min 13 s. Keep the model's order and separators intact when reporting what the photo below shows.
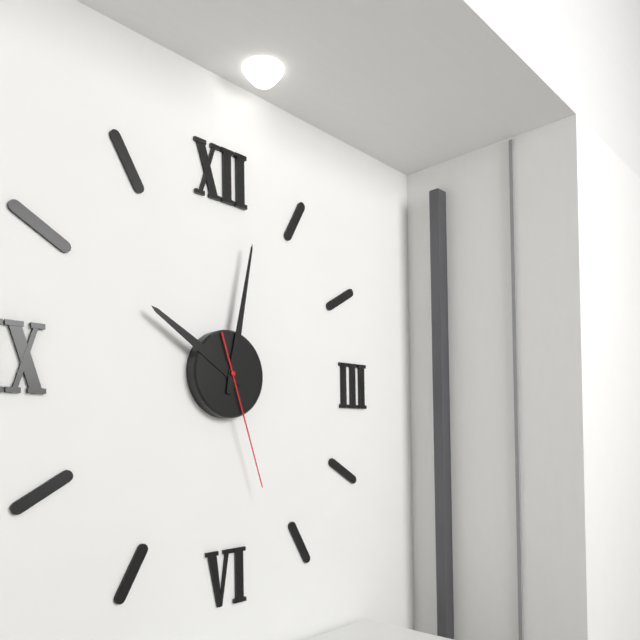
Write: 10 h 02 min 27 s
